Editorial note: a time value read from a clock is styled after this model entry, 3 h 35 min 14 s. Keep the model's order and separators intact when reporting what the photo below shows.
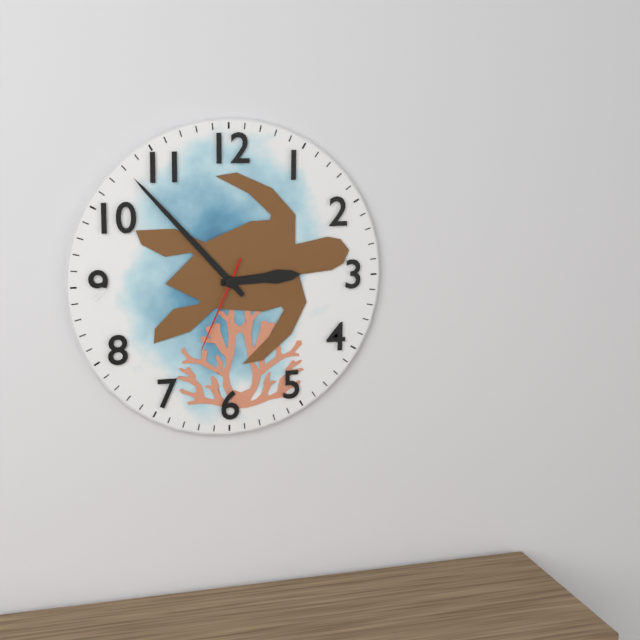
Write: 2 h 53 min 34 s
